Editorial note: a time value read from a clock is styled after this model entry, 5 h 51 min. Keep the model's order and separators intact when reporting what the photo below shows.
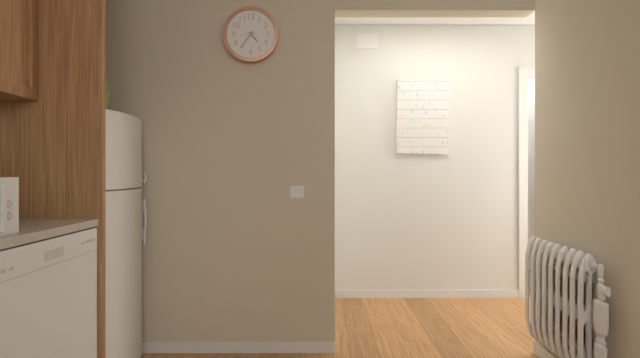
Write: 4 h 36 min
